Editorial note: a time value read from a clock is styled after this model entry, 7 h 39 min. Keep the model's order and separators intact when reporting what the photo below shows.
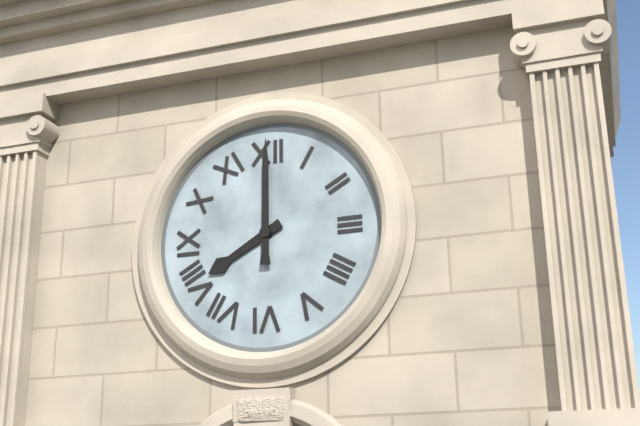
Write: 8 h 00 min
